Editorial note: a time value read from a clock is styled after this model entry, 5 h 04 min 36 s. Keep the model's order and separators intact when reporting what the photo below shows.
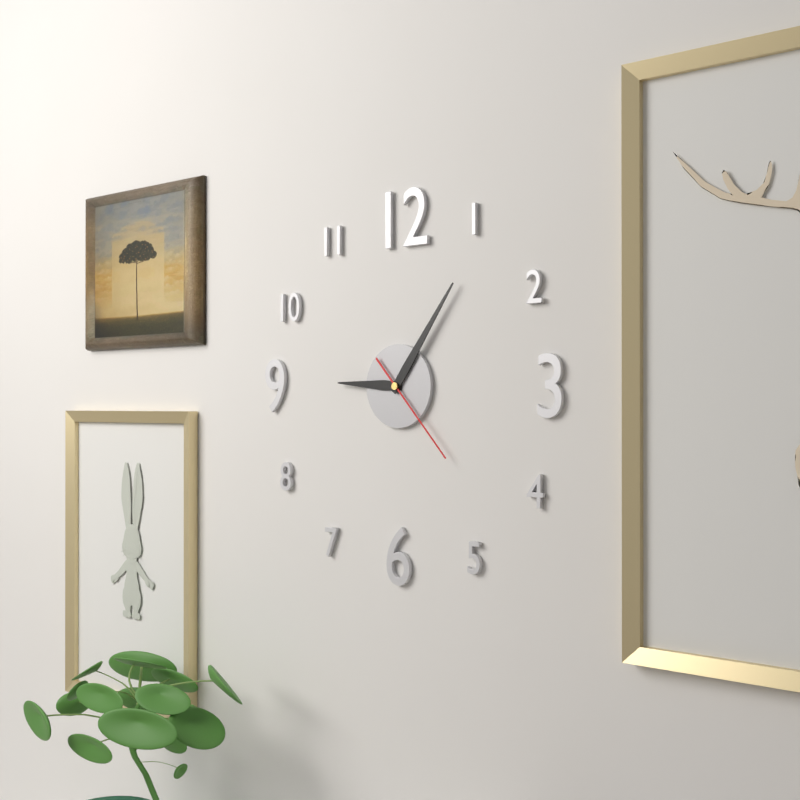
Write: 9 h 06 min 23 s
